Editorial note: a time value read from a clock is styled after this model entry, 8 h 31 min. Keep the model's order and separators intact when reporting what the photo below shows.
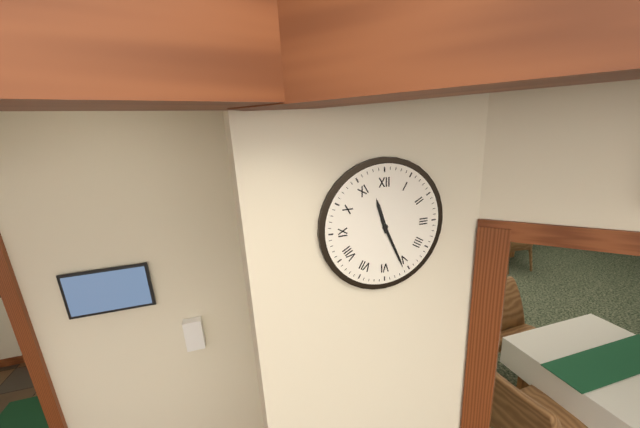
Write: 11 h 26 min
